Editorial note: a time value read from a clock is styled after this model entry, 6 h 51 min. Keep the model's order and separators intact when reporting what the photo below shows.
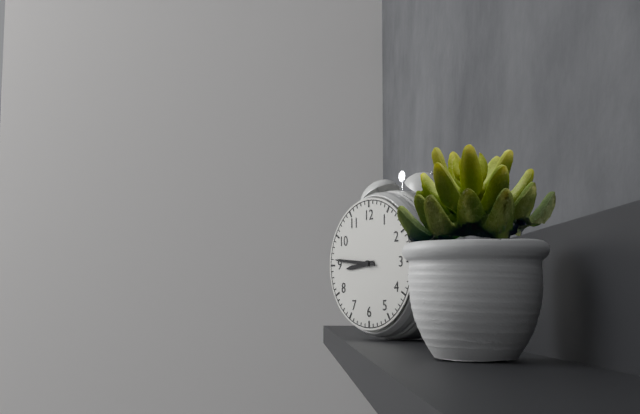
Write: 8 h 46 min
